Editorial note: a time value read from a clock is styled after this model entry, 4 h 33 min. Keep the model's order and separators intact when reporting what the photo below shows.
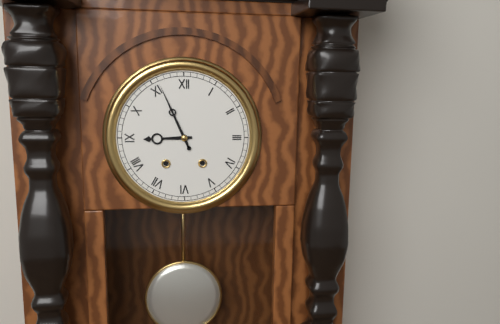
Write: 8 h 56 min
